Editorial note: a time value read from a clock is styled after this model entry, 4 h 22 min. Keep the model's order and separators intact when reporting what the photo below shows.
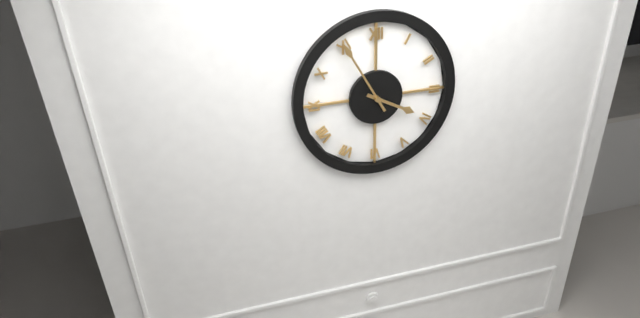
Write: 3 h 55 min
